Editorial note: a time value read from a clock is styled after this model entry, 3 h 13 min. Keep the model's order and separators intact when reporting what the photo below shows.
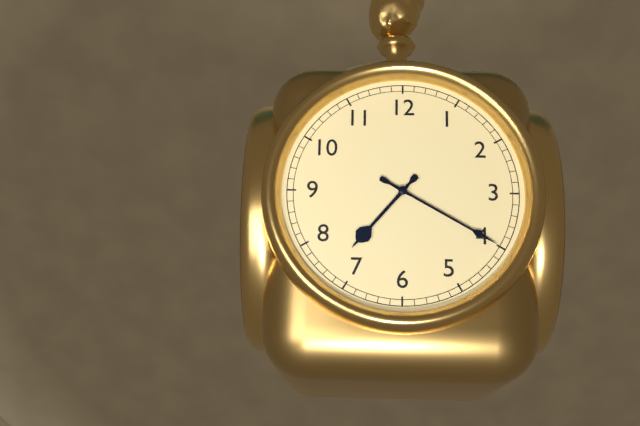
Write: 7 h 20 min
